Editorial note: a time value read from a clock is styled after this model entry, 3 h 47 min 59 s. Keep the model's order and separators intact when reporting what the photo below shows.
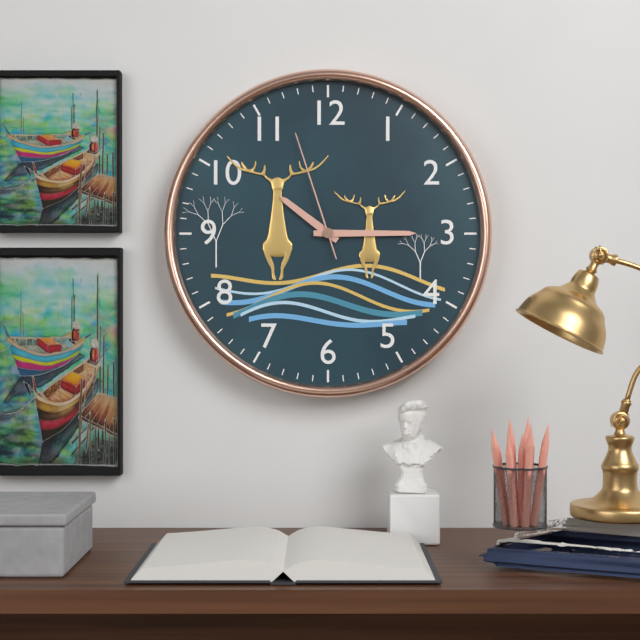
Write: 10 h 15 min 57 s
